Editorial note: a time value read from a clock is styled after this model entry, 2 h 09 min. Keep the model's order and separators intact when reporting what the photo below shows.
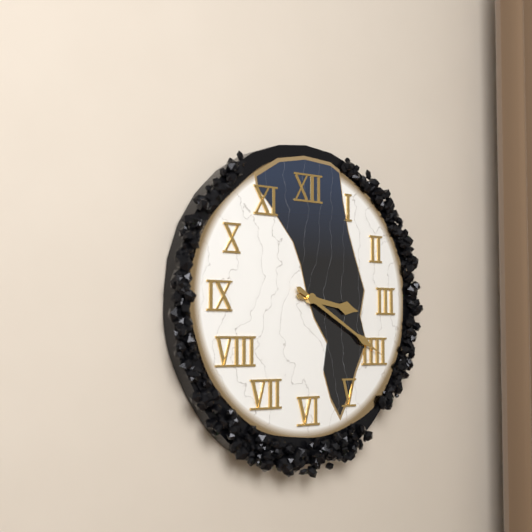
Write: 3 h 20 min
